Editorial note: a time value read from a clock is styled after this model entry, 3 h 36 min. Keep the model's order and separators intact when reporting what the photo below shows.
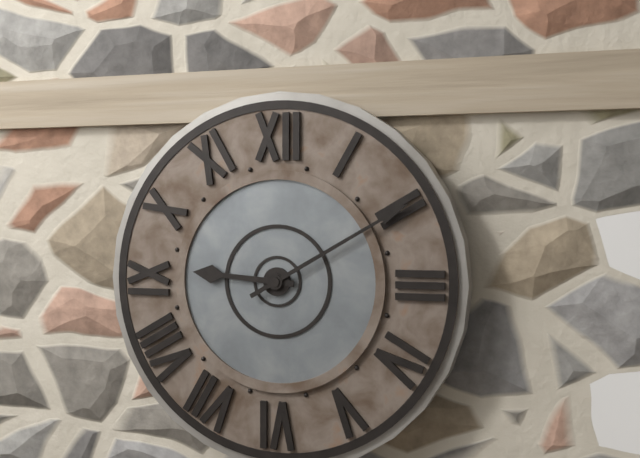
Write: 9 h 10 min
